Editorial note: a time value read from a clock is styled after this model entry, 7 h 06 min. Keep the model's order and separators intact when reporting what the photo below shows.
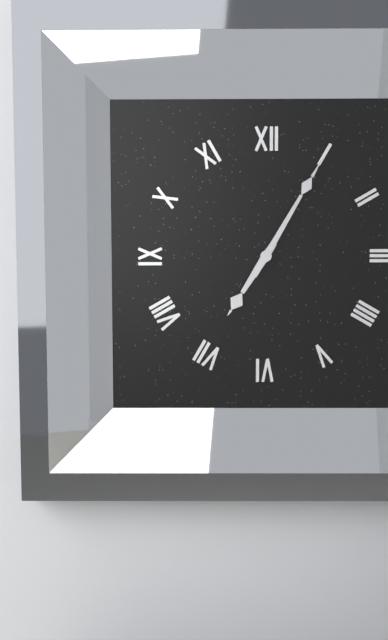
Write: 7 h 05 min
